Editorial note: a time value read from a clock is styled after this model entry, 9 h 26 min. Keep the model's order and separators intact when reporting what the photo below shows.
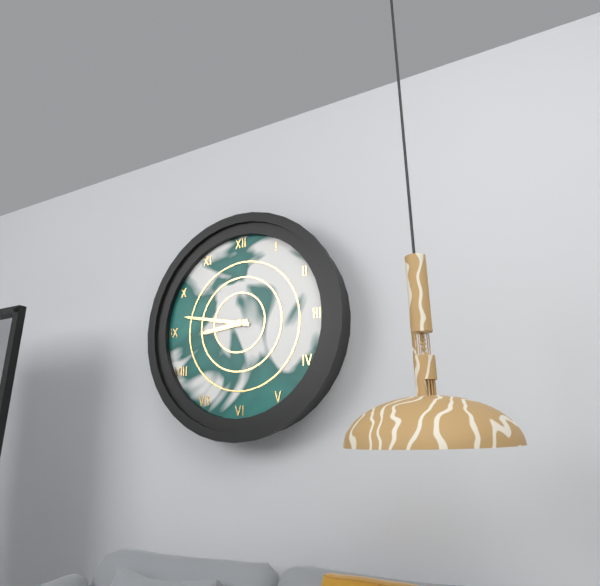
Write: 8 h 47 min
